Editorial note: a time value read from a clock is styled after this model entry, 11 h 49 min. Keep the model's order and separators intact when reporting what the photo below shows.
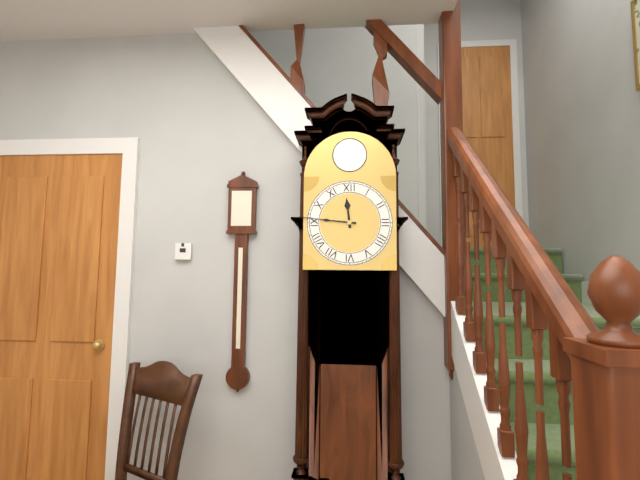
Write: 11 h 46 min
